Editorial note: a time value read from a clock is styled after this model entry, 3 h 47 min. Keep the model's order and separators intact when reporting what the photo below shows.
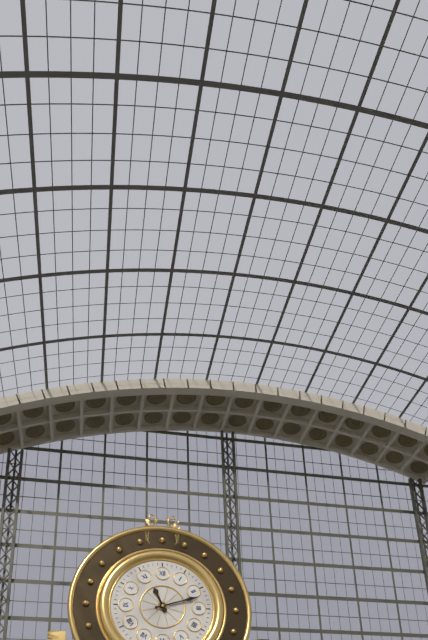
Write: 11 h 12 min
